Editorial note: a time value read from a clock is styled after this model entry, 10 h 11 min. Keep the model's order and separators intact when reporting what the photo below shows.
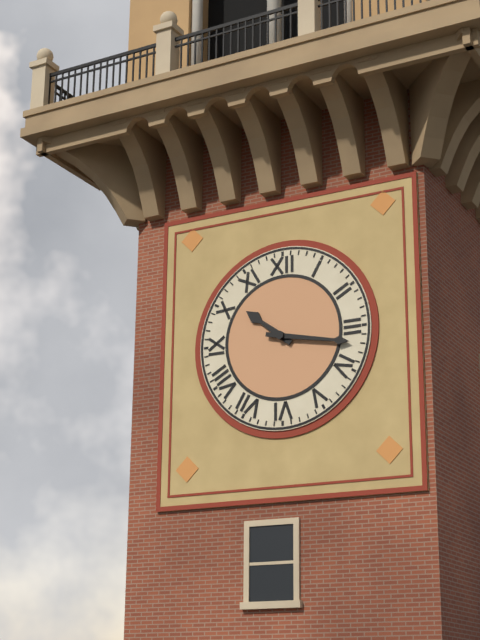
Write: 10 h 17 min
